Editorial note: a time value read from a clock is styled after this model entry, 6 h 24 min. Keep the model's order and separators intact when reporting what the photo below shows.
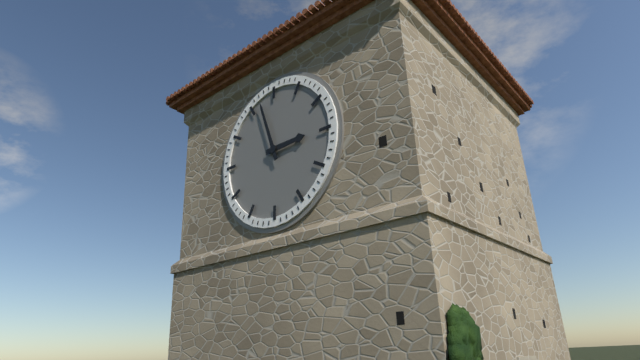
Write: 2 h 57 min
